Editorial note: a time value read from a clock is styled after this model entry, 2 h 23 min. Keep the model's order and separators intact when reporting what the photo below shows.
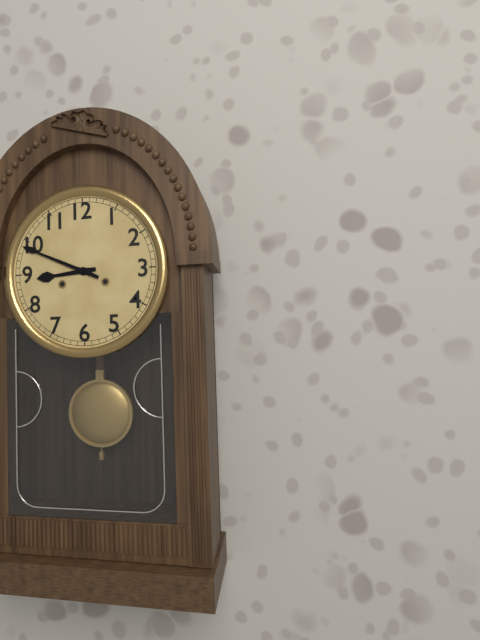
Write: 8 h 49 min
